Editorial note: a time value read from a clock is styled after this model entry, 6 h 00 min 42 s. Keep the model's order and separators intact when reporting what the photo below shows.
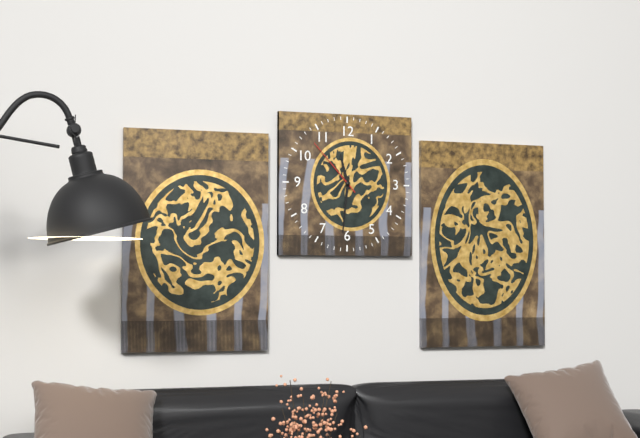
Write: 11 h 31 min 53 s
